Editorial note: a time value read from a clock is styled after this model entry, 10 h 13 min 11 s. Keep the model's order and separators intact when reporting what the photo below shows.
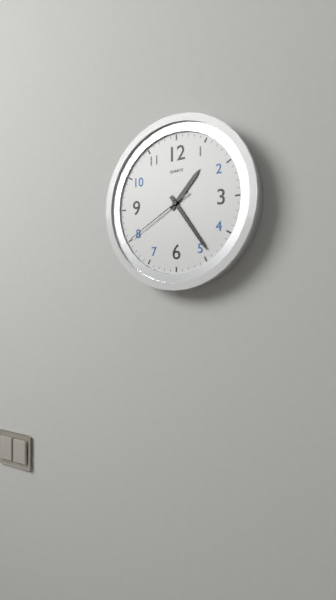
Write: 1 h 24 min 40 s
